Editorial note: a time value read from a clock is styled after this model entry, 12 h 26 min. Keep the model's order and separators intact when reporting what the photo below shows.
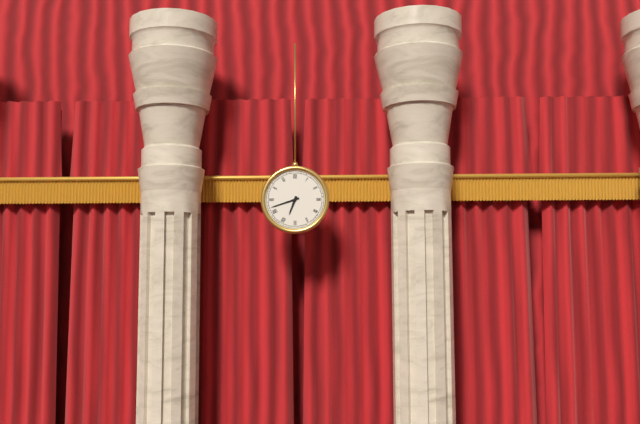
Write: 6 h 42 min
